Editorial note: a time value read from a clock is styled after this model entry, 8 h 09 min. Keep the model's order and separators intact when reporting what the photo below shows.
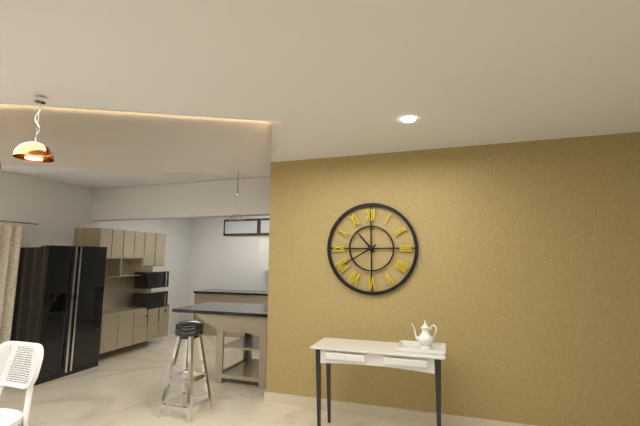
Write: 10 h 40 min
